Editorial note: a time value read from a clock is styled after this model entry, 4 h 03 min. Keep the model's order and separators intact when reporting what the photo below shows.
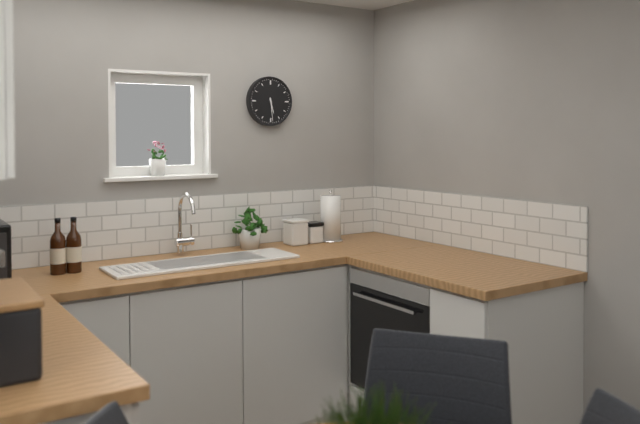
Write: 5 h 29 min
